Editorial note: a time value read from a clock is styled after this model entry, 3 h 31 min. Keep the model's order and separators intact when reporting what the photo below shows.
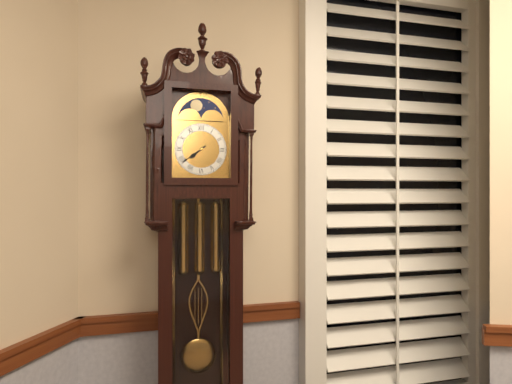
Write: 7 h 39 min
